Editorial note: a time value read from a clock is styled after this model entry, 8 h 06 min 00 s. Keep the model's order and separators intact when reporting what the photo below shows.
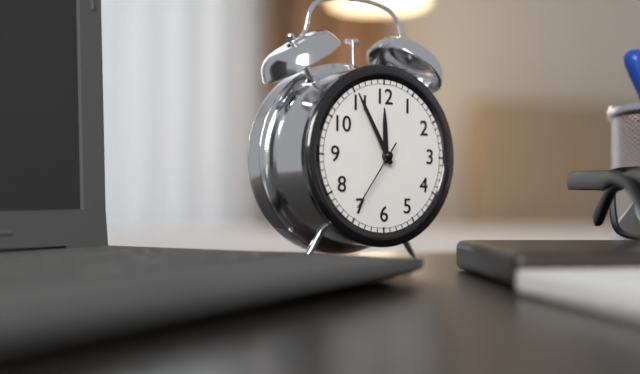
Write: 11 h 55 min 36 s
